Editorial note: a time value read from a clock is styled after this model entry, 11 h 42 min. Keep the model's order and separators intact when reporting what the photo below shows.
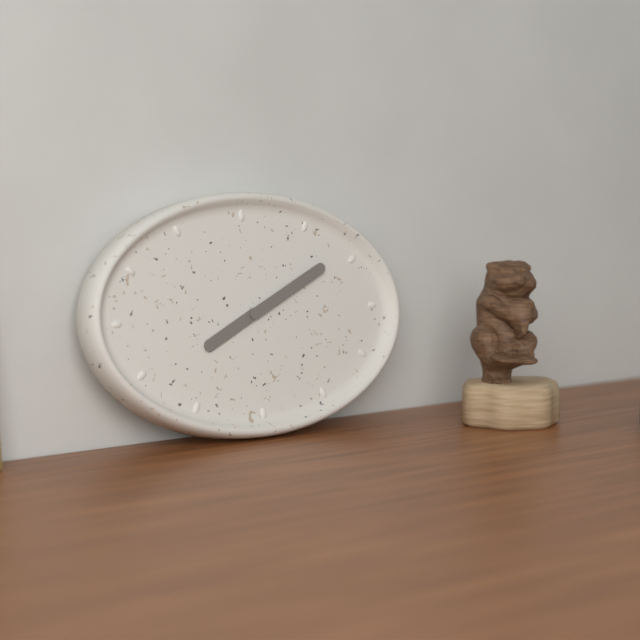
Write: 8 h 11 min
